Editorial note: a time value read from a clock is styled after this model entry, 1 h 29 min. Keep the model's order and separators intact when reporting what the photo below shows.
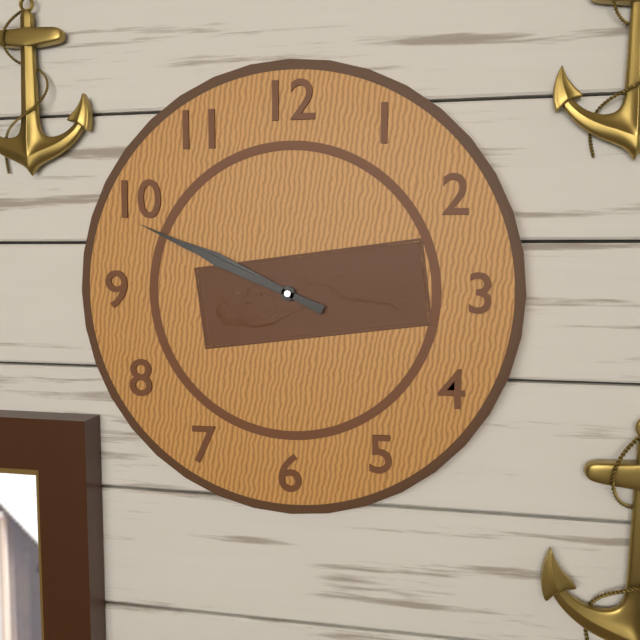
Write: 9 h 49 min
